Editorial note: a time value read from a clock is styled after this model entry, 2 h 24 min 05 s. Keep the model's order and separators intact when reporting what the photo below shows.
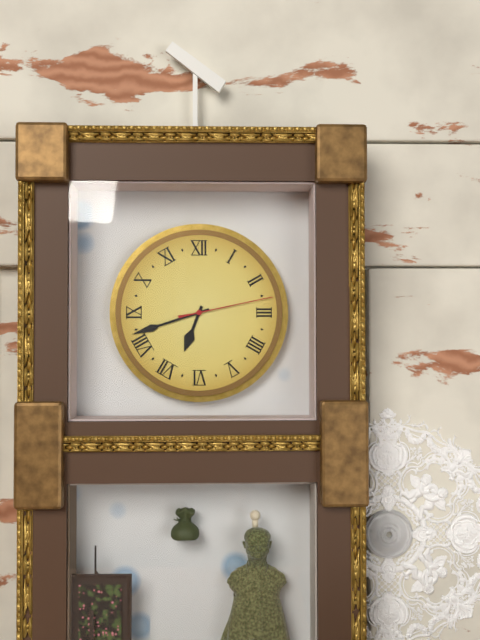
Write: 6 h 42 min 13 s
